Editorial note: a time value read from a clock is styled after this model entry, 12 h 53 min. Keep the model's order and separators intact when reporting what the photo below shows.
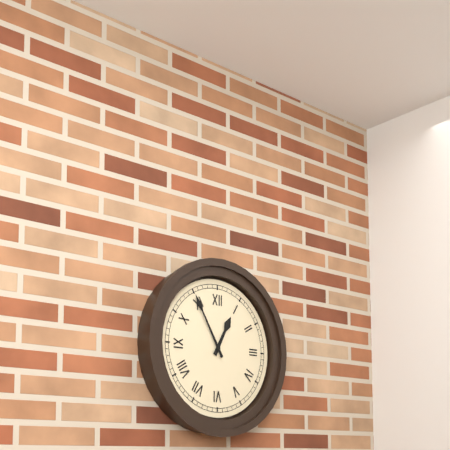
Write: 12 h 55 min
